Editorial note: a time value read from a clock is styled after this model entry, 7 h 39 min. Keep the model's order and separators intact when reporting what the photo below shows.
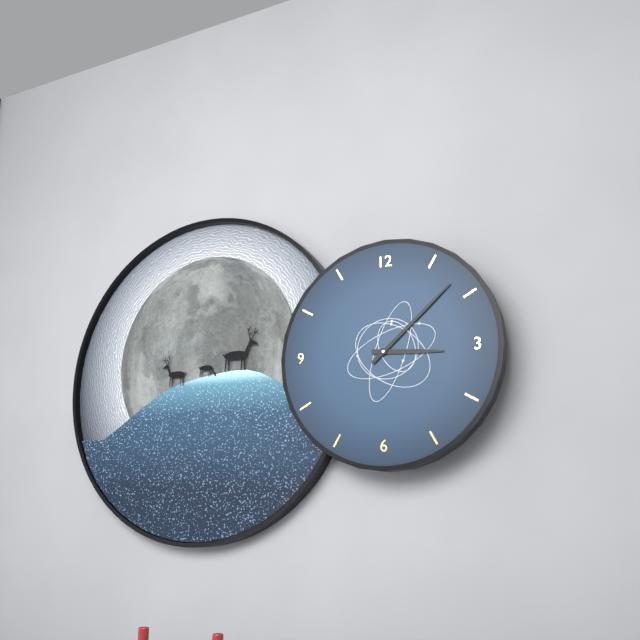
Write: 3 h 08 min
